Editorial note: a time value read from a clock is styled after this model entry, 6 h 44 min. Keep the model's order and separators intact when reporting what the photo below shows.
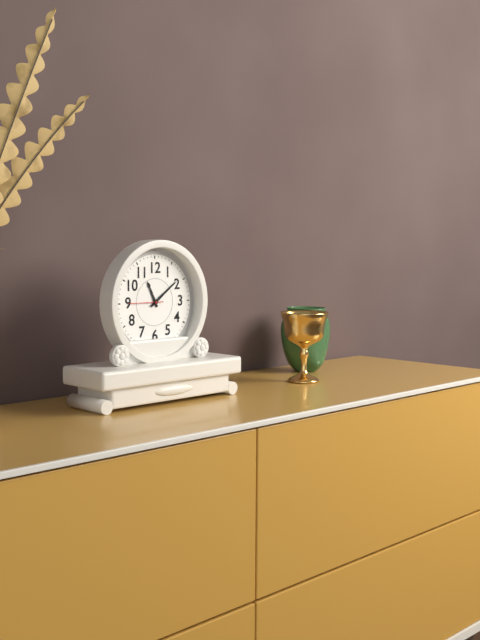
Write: 11 h 09 min
